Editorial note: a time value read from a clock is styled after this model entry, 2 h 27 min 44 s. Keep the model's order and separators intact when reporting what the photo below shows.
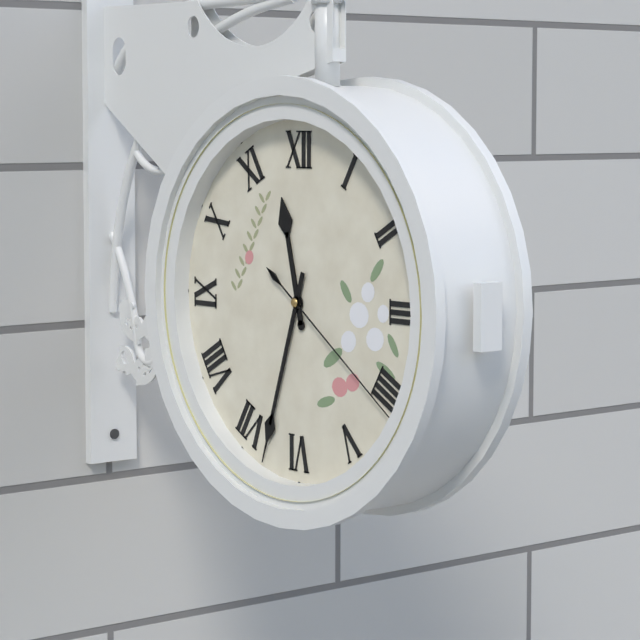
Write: 11 h 33 min 21 s
